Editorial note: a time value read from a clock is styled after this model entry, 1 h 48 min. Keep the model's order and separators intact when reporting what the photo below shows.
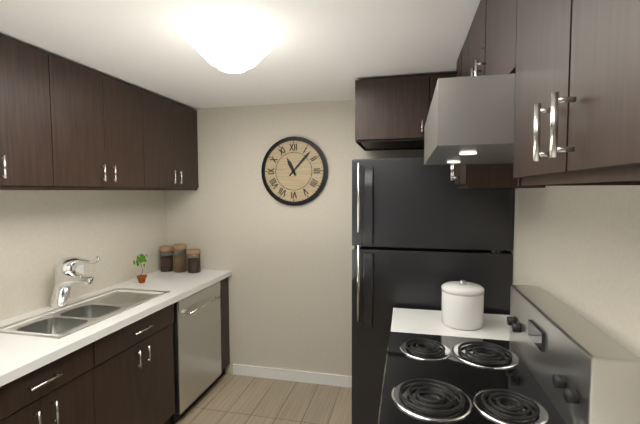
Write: 11 h 07 min
